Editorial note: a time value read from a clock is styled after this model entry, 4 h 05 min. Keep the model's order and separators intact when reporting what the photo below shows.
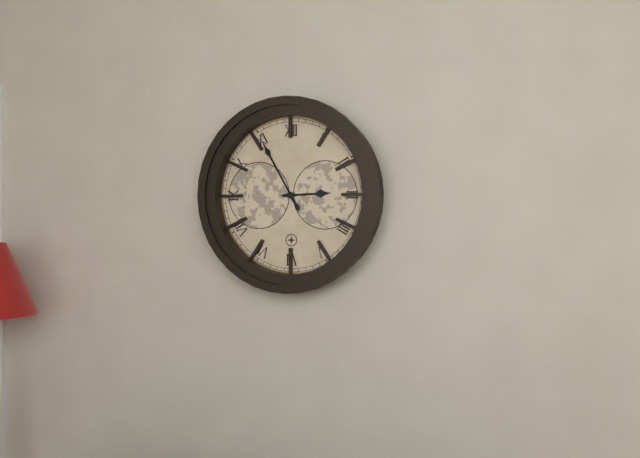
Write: 2 h 55 min
